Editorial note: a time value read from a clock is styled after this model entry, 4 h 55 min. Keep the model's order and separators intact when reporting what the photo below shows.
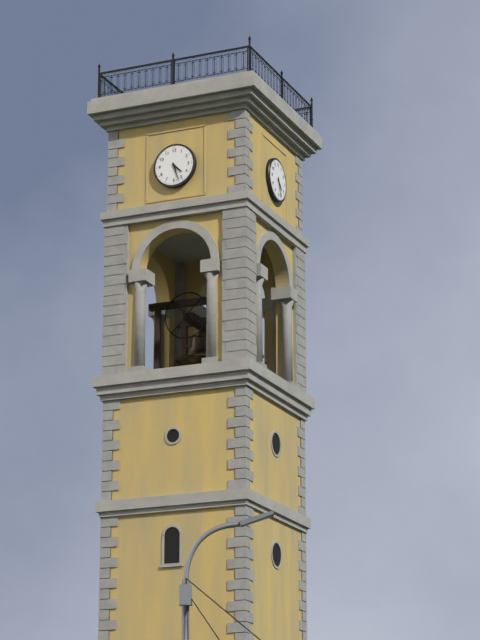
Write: 4 h 27 min
